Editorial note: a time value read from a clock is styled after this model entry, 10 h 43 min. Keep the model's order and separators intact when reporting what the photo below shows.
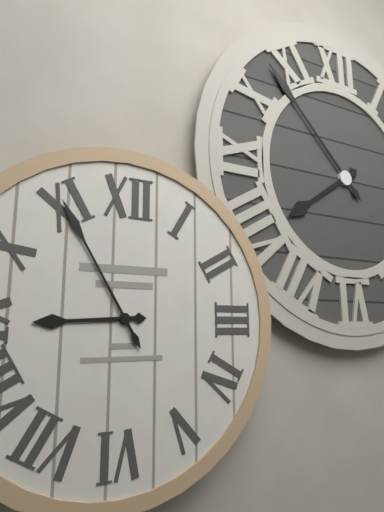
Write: 8 h 55 min
